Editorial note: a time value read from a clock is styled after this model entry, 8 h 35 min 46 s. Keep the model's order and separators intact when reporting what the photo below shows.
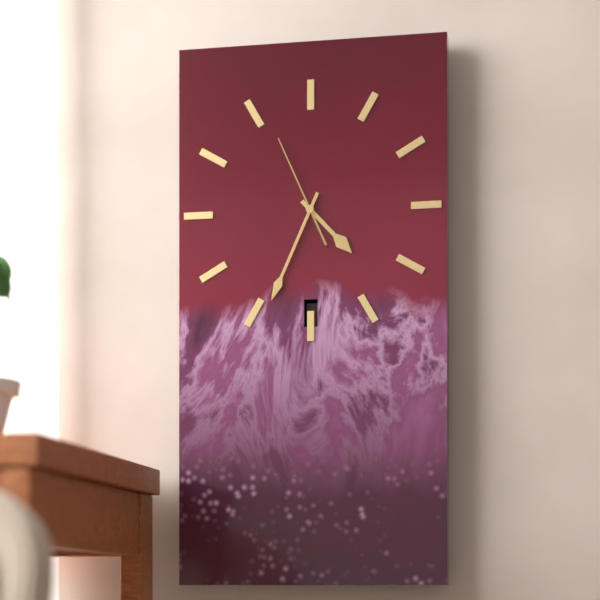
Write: 4 h 34 min 56 s
